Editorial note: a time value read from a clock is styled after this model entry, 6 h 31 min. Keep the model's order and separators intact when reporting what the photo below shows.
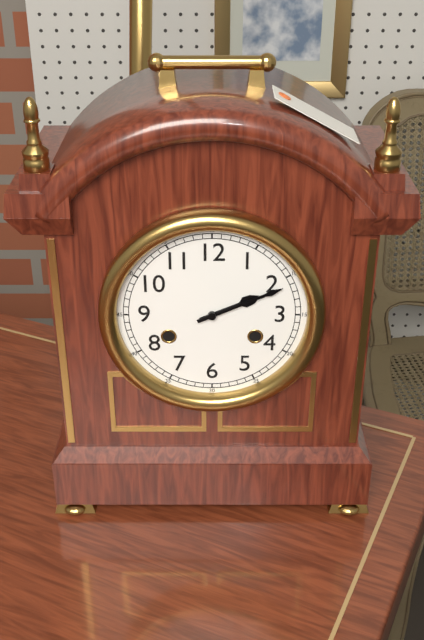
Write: 2 h 11 min
